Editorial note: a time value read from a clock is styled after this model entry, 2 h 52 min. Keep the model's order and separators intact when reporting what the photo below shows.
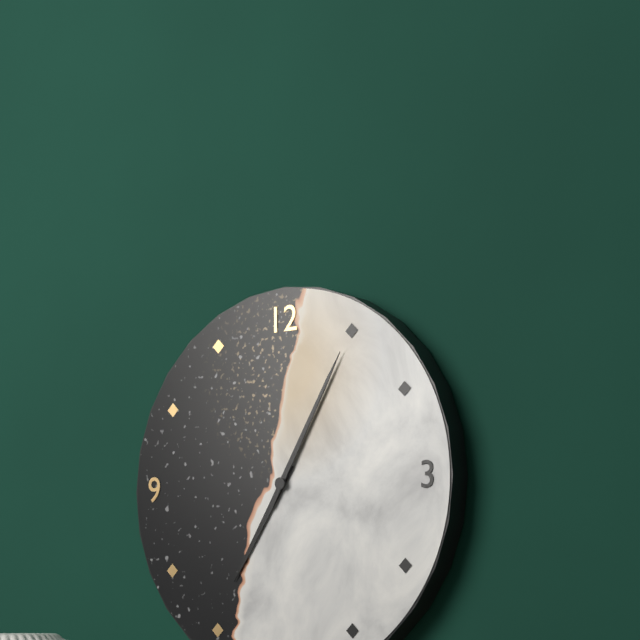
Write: 7 h 05 min
